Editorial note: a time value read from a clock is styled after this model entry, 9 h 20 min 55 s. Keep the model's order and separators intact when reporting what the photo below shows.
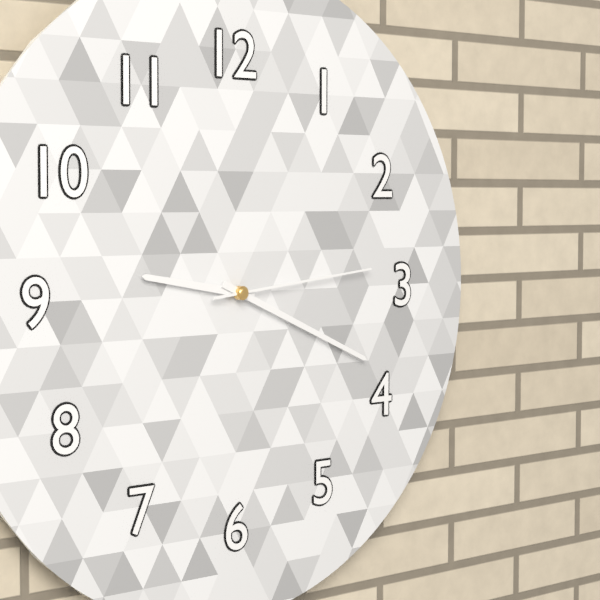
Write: 9 h 19 min 14 s
